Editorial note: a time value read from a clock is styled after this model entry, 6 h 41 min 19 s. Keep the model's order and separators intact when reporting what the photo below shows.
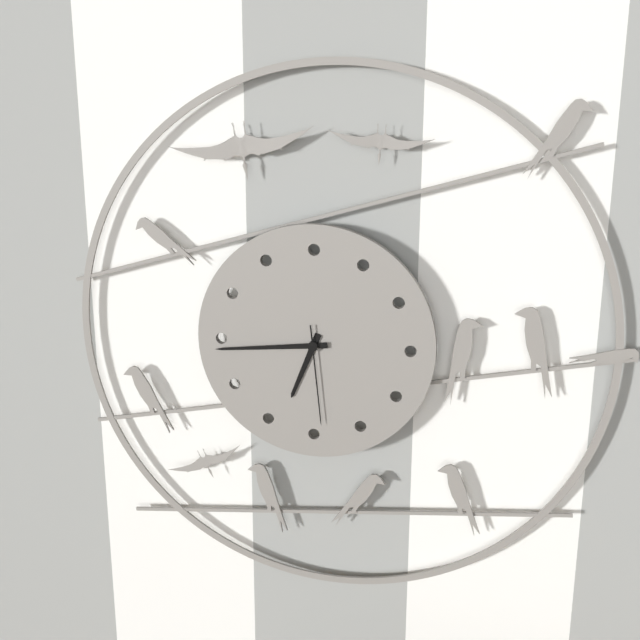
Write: 6 h 44 min 29 s
